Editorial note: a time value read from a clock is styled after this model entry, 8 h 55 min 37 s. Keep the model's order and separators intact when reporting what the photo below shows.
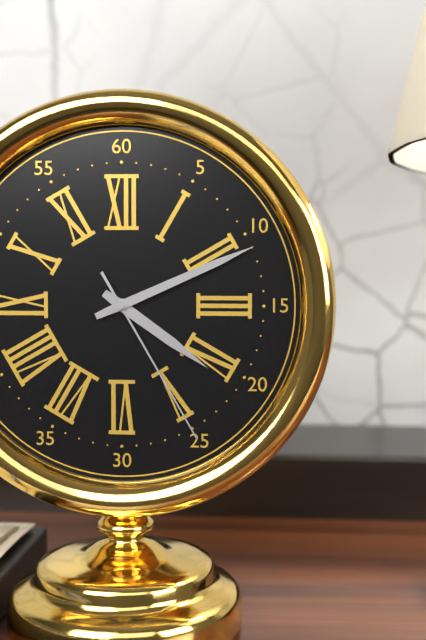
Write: 4 h 11 min 25 s
